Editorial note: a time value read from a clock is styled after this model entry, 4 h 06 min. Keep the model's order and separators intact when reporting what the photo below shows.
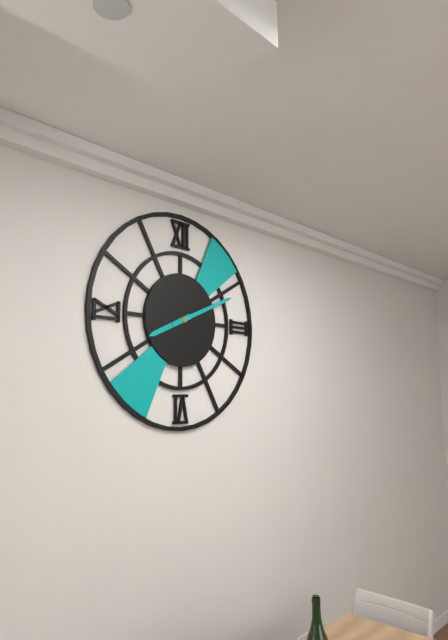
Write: 8 h 11 min
